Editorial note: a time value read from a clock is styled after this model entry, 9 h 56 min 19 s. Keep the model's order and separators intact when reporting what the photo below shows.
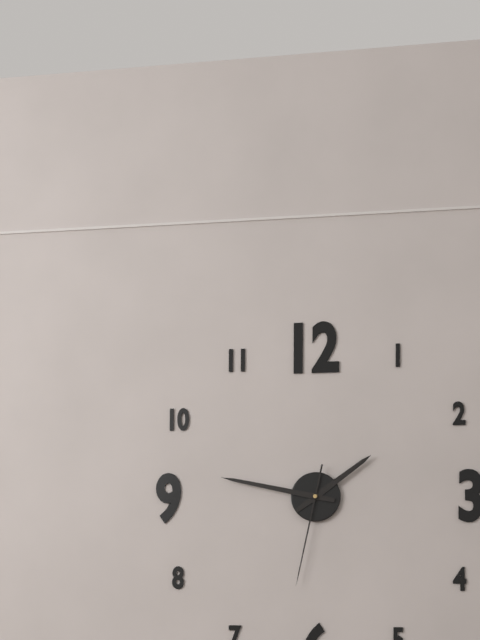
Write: 1 h 47 min 32 s
